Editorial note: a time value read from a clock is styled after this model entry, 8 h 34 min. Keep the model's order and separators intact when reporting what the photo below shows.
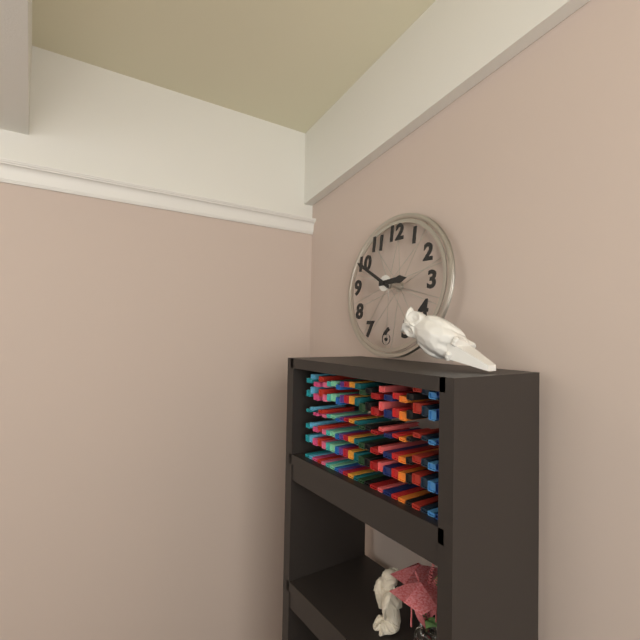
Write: 2 h 50 min
